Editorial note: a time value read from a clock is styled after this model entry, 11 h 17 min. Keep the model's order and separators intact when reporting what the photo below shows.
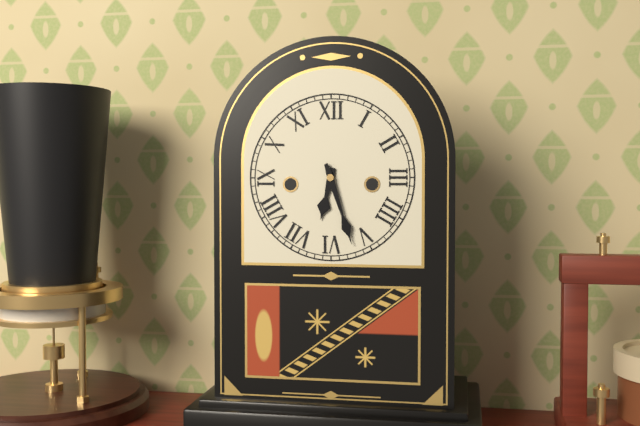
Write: 6 h 27 min
